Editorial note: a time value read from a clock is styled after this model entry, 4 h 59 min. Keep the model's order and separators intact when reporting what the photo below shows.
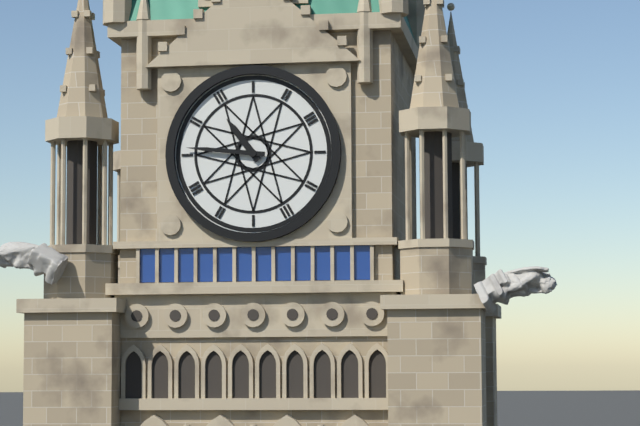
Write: 10 h 46 min
